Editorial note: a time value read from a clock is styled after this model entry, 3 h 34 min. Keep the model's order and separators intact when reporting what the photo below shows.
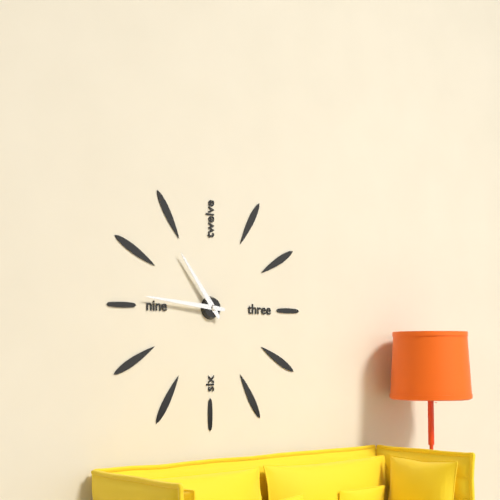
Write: 10 h 46 min
